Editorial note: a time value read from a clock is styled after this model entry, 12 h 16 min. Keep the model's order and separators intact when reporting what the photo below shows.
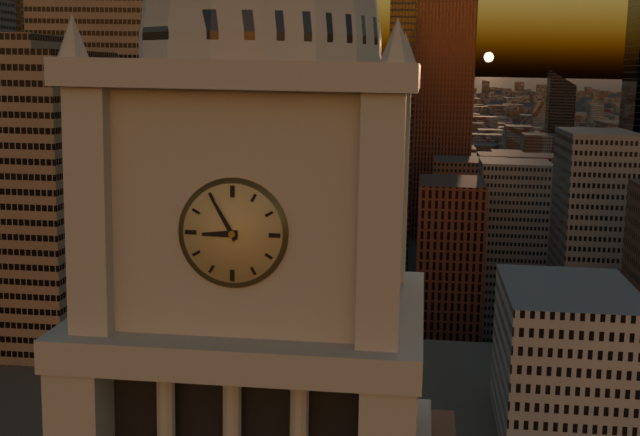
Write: 8 h 55 min
